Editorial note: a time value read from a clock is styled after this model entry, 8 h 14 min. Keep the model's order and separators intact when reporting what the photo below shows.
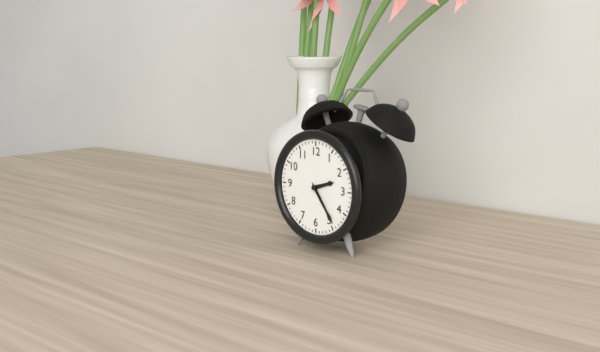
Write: 2 h 24 min
